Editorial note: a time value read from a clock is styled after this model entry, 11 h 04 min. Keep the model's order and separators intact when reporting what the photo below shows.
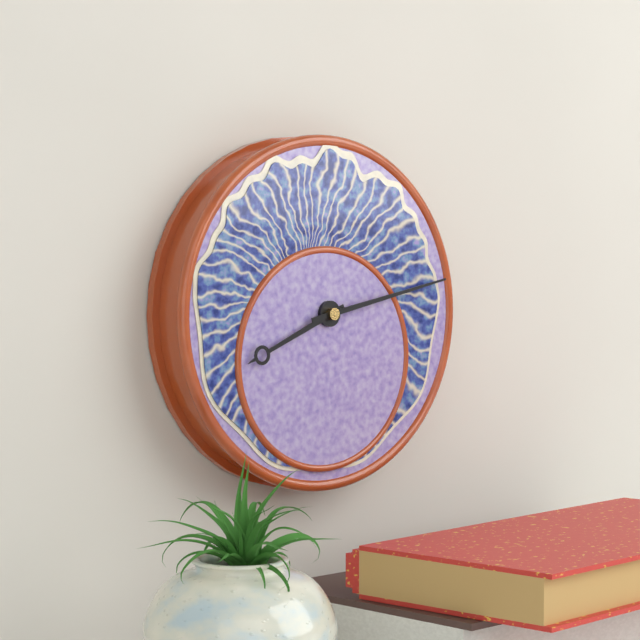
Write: 8 h 13 min
